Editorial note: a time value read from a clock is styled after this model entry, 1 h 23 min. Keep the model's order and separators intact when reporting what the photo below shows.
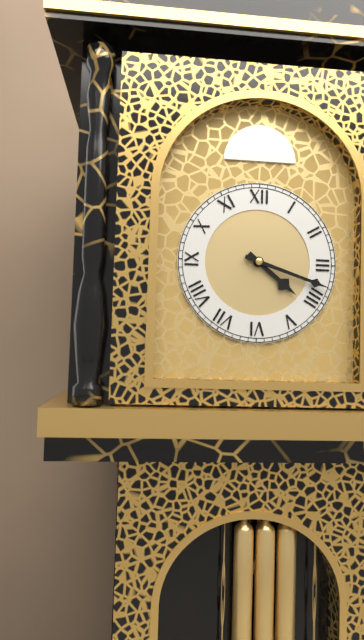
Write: 4 h 18 min
